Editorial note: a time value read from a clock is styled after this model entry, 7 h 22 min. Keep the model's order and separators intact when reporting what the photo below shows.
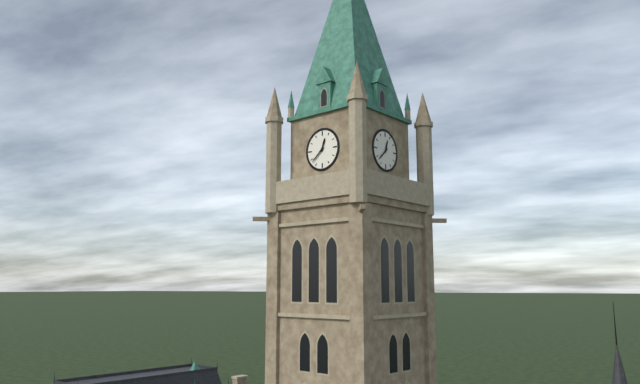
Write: 12 h 38 min
